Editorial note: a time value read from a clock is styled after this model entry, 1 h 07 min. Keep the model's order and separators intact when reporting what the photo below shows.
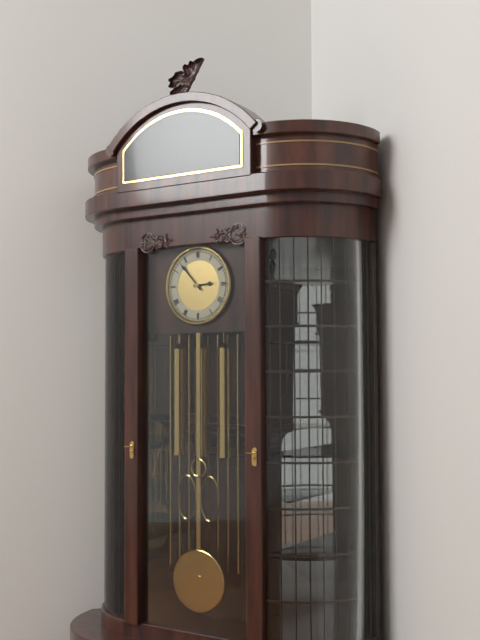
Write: 2 h 53 min
